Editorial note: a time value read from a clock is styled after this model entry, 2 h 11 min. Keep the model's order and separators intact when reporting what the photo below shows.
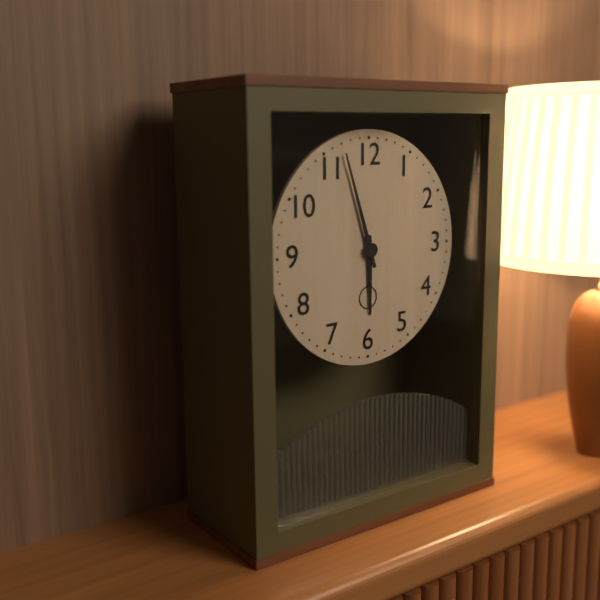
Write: 5 h 57 min
